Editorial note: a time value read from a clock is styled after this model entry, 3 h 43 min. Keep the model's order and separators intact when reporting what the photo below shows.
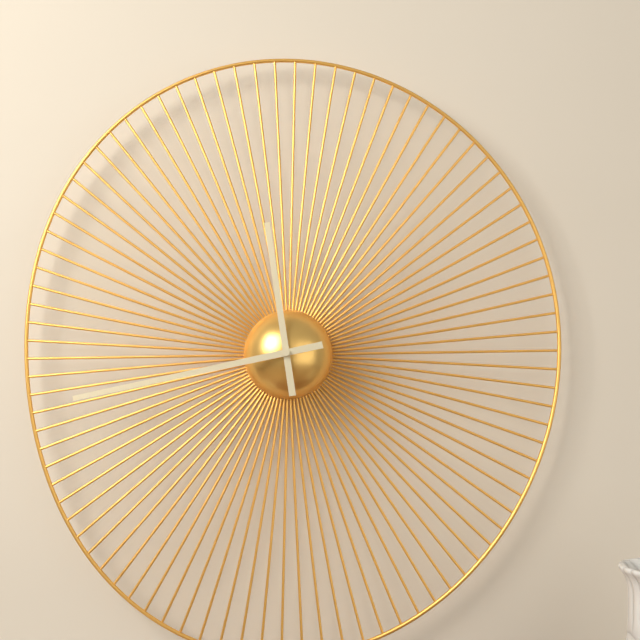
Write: 11 h 43 min
